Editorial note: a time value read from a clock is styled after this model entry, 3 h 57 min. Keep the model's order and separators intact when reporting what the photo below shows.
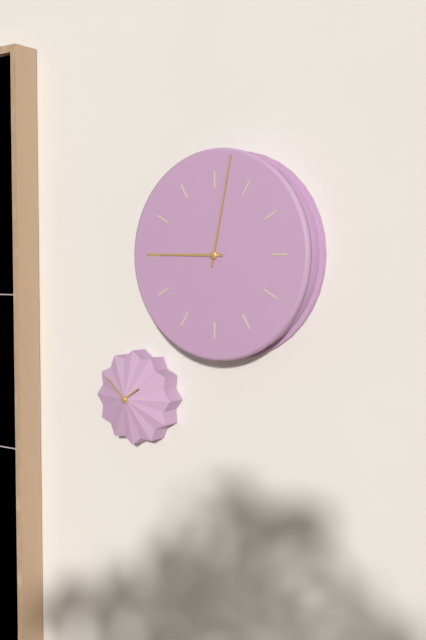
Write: 9 h 02 min
